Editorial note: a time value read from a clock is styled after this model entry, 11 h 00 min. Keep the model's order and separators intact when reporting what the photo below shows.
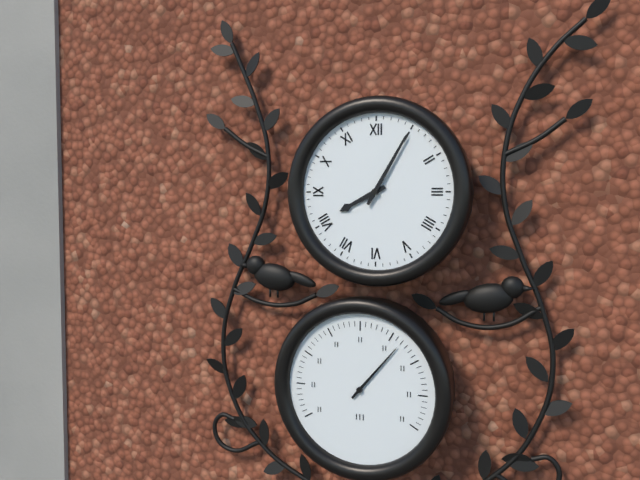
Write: 8 h 05 min
